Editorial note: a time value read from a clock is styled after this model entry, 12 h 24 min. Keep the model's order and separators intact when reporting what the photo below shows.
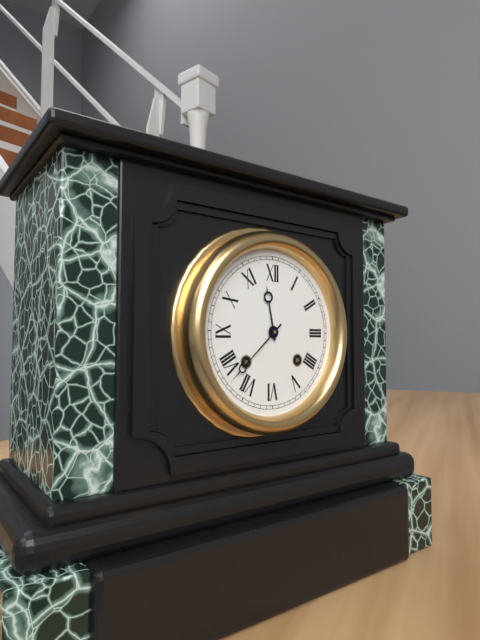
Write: 11 h 38 min
